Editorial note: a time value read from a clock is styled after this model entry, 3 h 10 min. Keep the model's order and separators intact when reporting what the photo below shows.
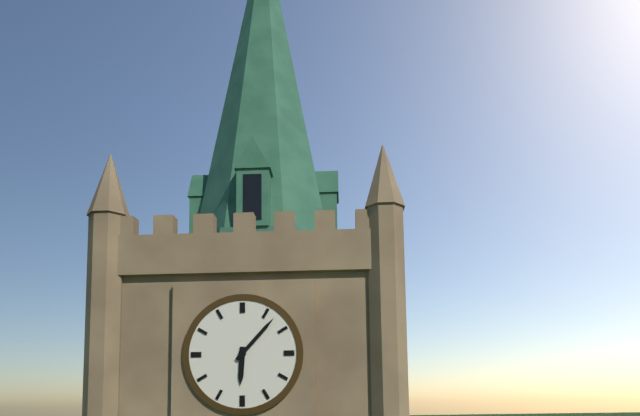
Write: 6 h 07 min
